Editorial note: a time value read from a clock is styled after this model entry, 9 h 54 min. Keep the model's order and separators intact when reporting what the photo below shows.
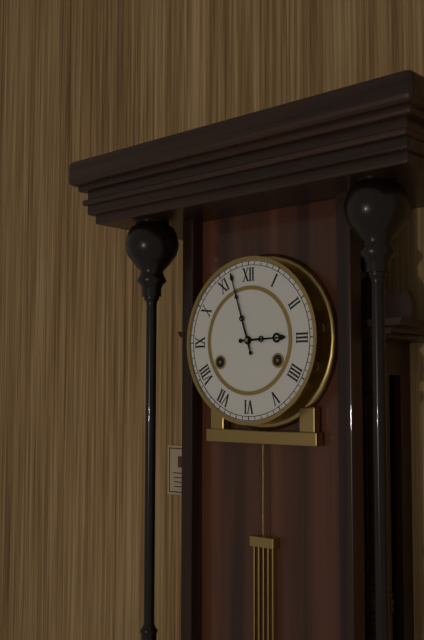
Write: 2 h 57 min
